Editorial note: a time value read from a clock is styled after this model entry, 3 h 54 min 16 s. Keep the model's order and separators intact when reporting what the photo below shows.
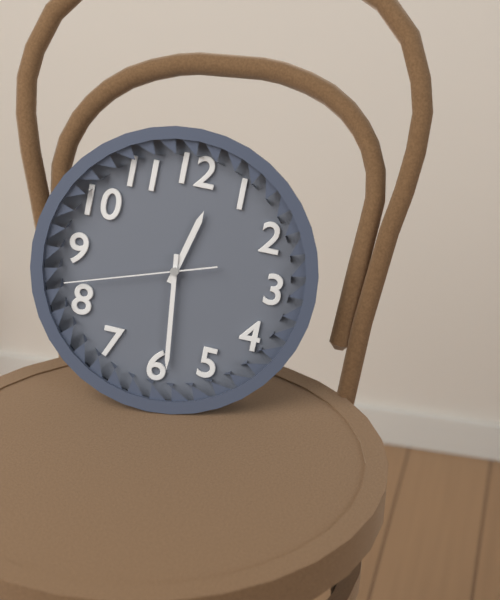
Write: 12 h 29 min 42 s
